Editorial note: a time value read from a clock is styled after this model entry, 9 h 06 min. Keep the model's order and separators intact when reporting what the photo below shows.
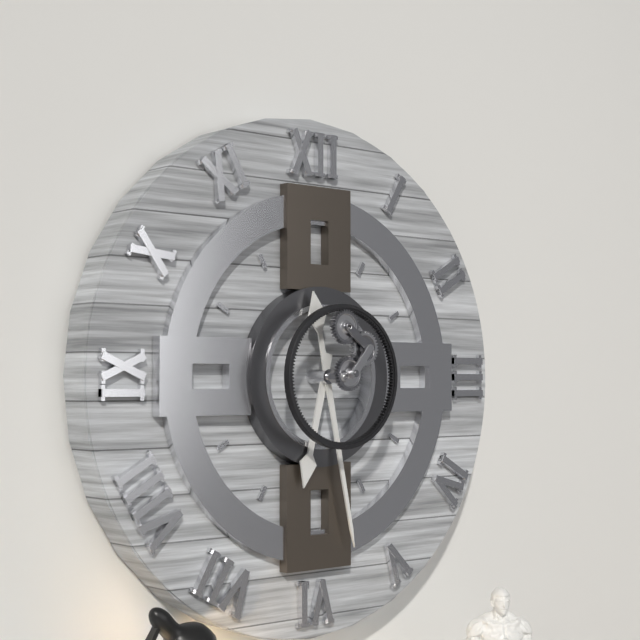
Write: 6 h 28 min
